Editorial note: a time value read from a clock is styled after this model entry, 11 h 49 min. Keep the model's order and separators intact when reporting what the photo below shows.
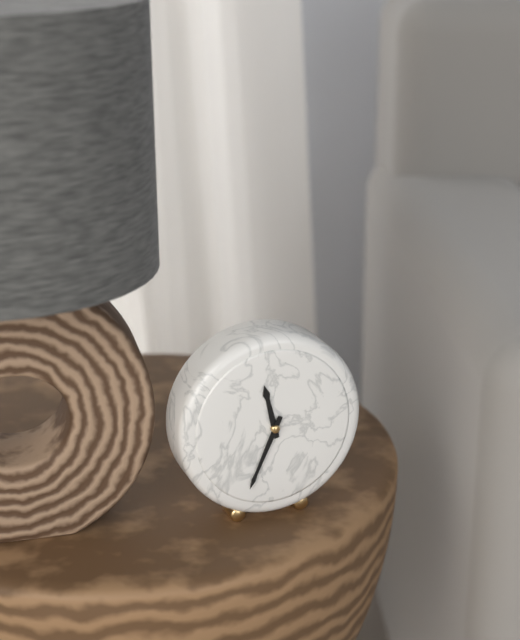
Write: 11 h 34 min
